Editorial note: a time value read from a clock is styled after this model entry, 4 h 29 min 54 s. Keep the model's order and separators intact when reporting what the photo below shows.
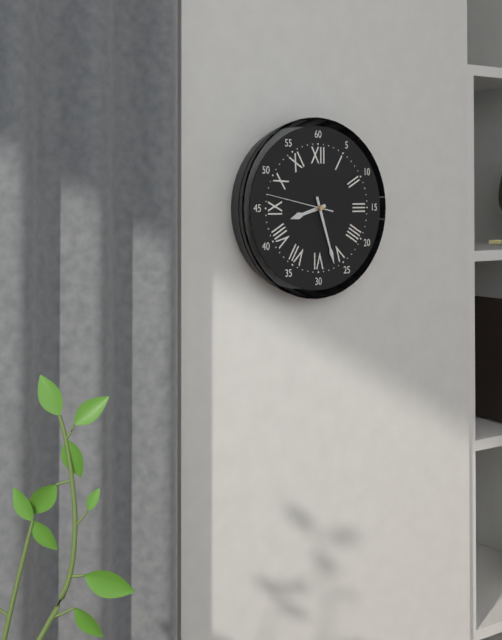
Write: 8 h 27 min 47 s
